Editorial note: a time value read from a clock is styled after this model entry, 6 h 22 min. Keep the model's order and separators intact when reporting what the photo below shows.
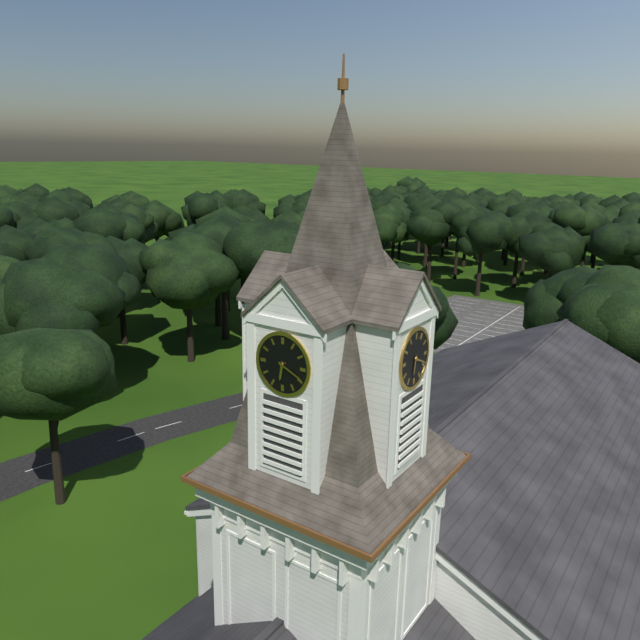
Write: 6 h 19 min
